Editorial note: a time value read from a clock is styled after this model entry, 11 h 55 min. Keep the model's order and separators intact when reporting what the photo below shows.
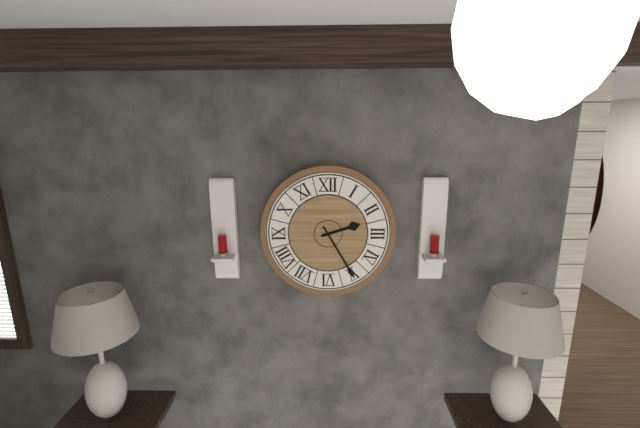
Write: 2 h 25 min
